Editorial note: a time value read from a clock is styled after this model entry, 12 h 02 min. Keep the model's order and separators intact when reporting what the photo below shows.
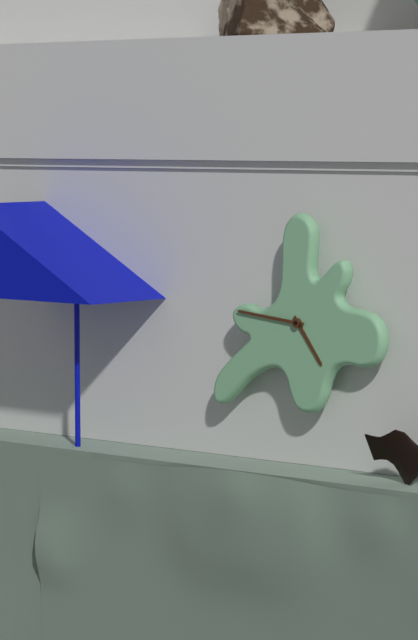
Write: 4 h 46 min
